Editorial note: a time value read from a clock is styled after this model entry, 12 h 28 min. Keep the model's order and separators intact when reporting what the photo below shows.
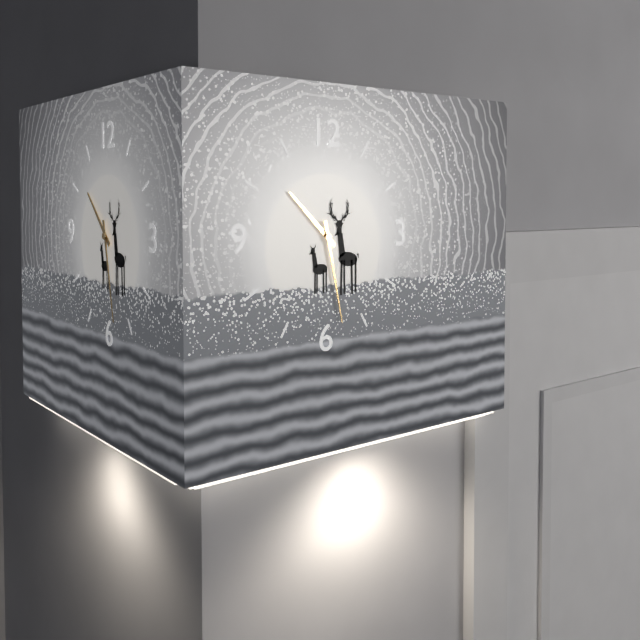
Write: 10 h 28 min
